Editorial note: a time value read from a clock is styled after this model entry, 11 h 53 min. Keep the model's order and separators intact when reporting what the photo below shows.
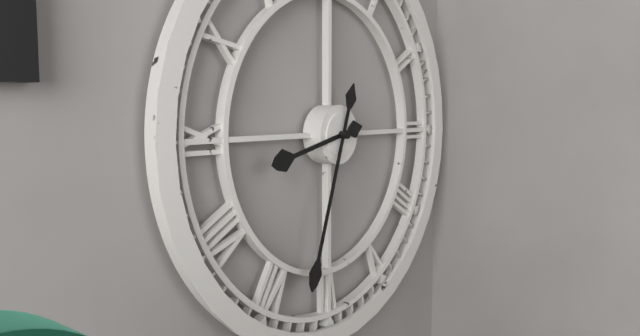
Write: 8 h 33 min
